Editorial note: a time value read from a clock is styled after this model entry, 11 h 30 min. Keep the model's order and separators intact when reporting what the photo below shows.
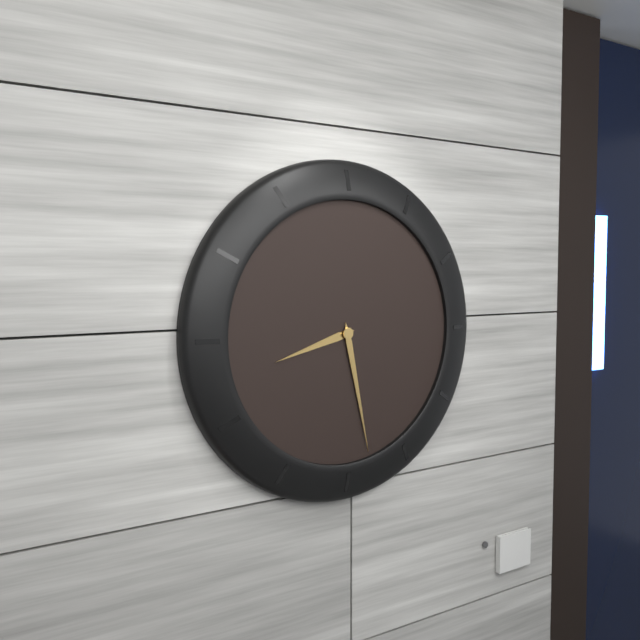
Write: 8 h 28 min
